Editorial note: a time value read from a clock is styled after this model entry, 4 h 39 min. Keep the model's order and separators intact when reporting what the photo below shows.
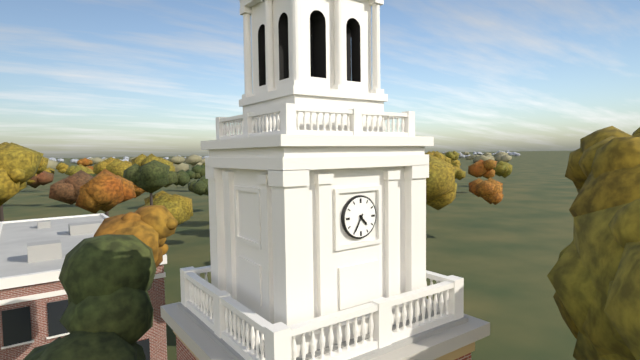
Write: 4 h 35 min
